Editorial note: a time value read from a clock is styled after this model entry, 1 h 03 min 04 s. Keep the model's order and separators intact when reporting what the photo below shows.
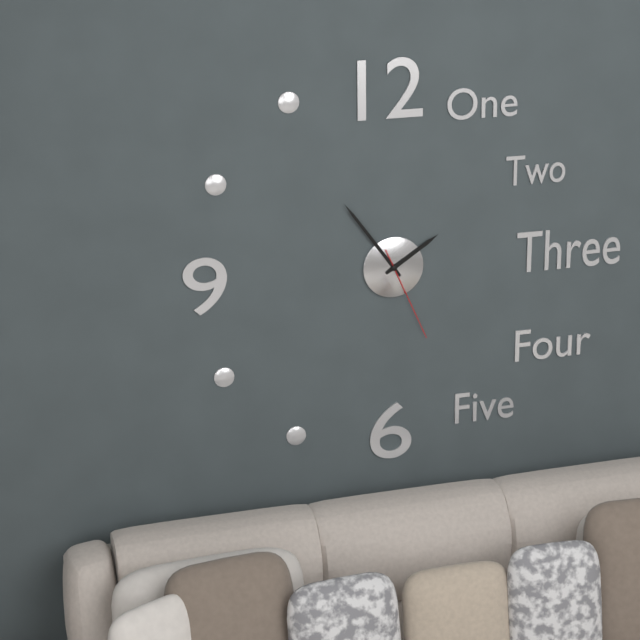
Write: 1 h 54 min 26 s
